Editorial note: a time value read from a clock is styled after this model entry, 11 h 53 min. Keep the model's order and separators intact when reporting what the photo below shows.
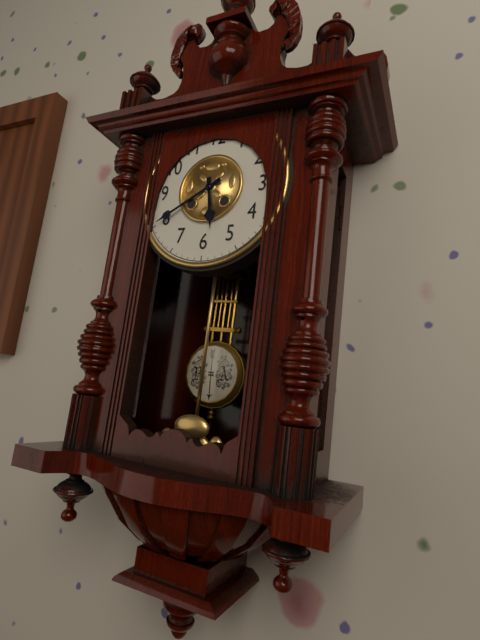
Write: 5 h 40 min
